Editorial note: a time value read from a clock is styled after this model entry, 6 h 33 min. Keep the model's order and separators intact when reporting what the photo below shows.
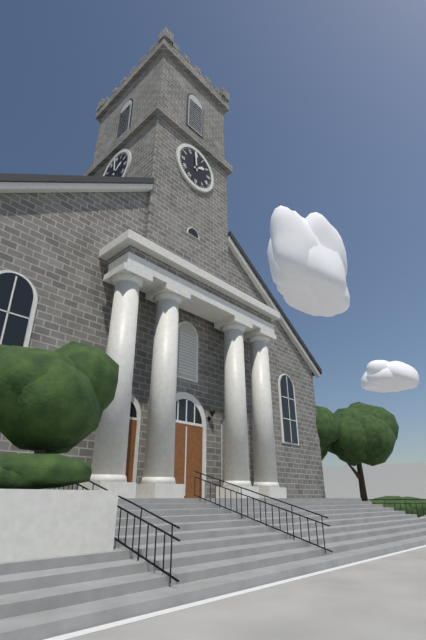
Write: 1 h 59 min
